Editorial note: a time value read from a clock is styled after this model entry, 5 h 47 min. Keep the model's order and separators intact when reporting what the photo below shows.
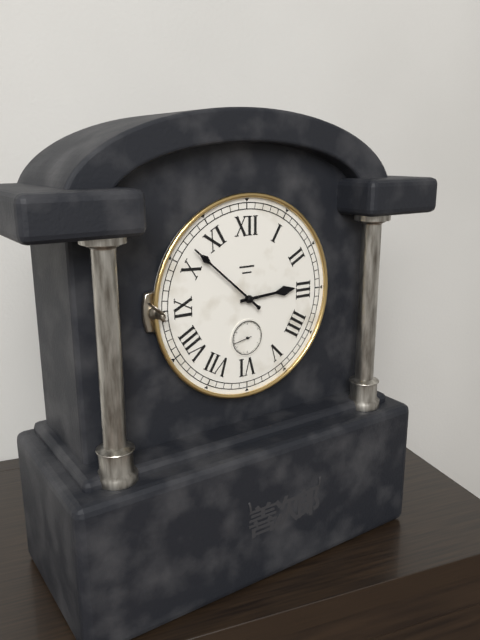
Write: 2 h 52 min
